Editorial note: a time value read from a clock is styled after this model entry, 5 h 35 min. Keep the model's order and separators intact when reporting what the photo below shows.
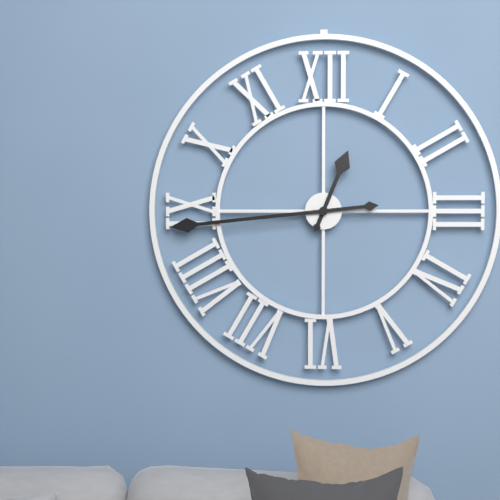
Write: 12 h 44 min
